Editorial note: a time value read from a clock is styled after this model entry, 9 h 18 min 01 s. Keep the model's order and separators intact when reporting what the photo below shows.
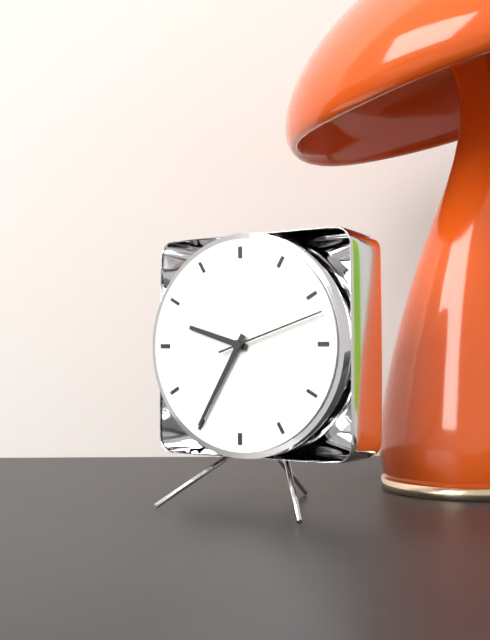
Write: 9 h 35 min 12 s
